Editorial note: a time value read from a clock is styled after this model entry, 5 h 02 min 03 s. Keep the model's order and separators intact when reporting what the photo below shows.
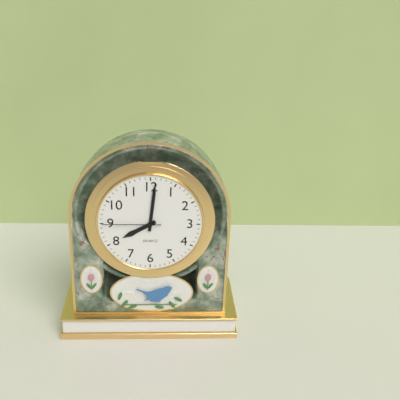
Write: 8 h 01 min 45 s
